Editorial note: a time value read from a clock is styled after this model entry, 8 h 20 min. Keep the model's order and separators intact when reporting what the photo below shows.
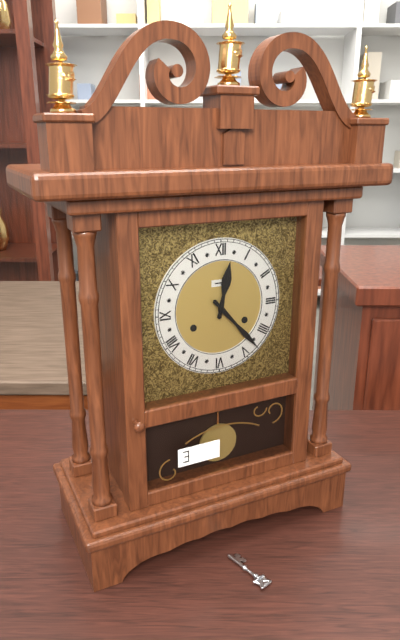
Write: 12 h 23 min
